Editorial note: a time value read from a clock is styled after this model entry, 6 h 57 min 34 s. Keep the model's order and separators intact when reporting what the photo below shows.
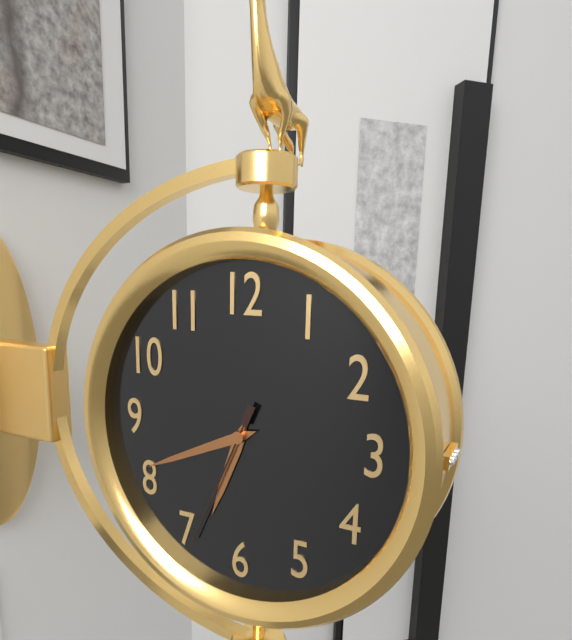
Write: 6 h 41 min 34 s
